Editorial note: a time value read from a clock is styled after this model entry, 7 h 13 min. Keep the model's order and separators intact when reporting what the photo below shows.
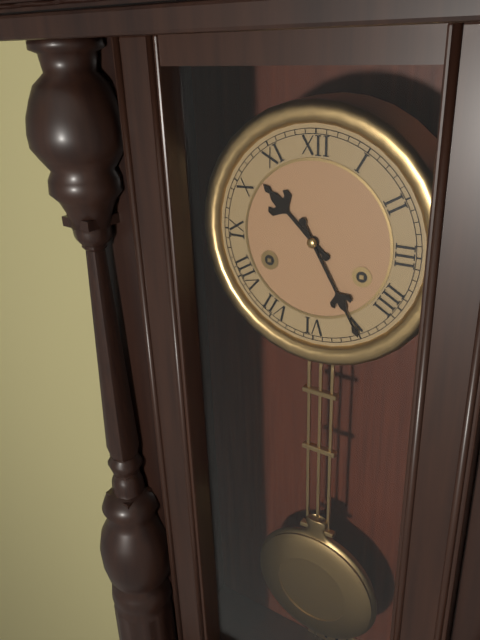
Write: 10 h 25 min
